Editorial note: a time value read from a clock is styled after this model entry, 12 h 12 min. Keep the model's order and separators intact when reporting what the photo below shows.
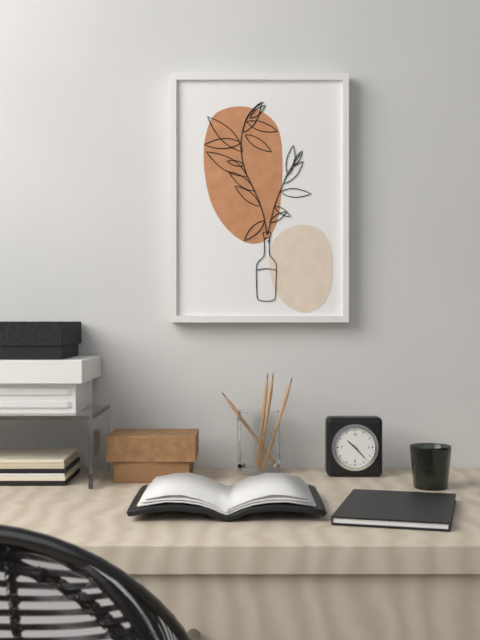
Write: 10 h 23 min
